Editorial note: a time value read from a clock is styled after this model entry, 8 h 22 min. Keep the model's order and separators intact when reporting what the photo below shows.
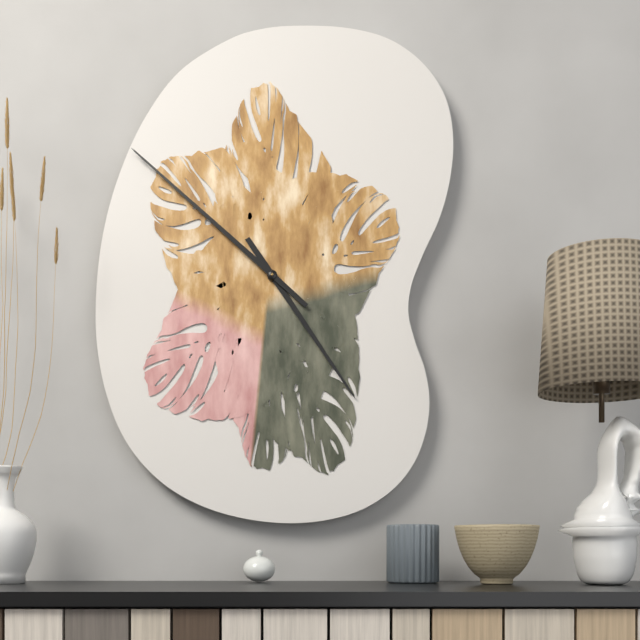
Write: 4 h 52 min
